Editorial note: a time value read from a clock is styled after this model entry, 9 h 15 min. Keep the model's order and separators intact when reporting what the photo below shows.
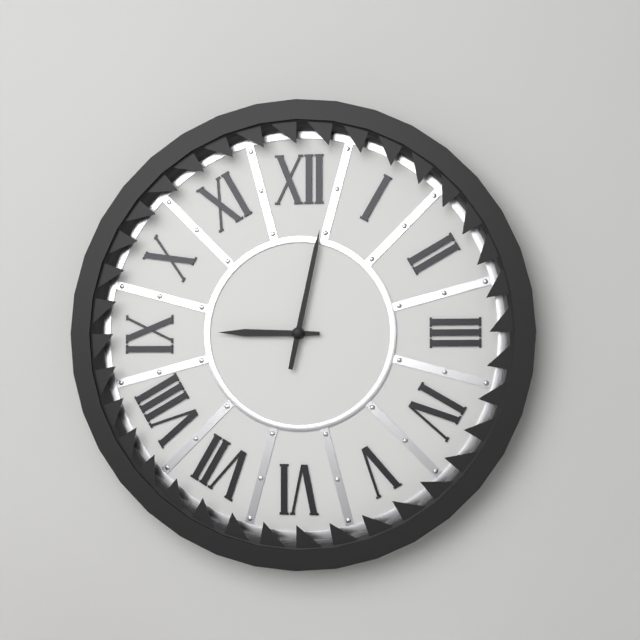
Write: 9 h 02 min
